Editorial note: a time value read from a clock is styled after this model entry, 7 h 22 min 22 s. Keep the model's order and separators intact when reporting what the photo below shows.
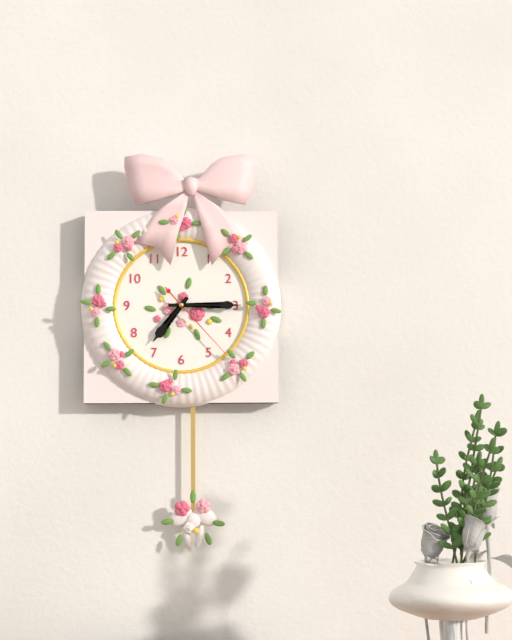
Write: 7 h 15 min 23 s
